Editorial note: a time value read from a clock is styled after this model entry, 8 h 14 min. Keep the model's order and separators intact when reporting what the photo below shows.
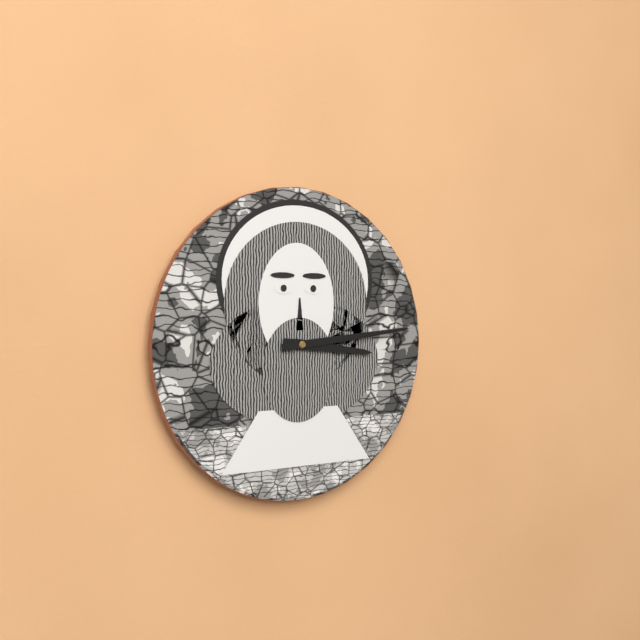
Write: 3 h 14 min
